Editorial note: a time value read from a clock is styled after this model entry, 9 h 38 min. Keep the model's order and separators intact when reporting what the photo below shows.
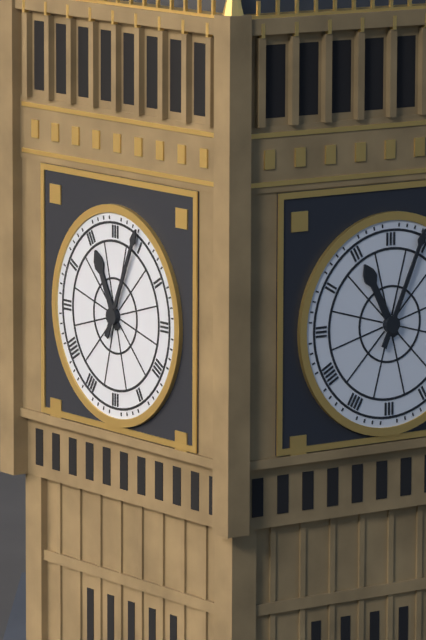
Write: 11 h 04 min
